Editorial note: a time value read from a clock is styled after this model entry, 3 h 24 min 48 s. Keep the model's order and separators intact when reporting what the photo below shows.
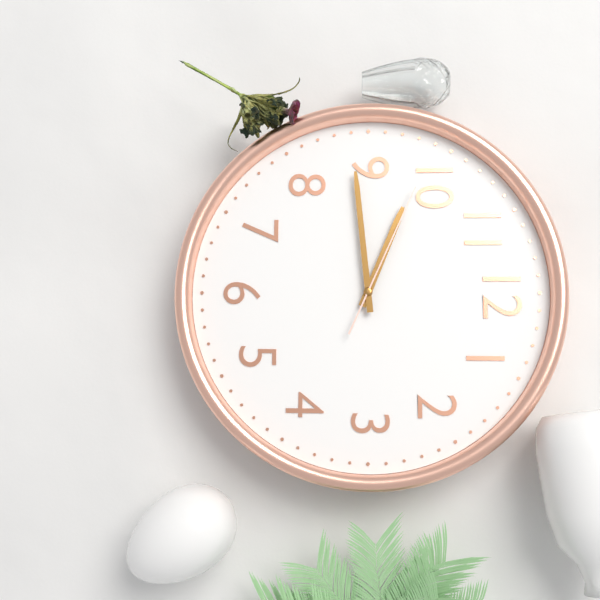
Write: 9 h 44 min 49 s
